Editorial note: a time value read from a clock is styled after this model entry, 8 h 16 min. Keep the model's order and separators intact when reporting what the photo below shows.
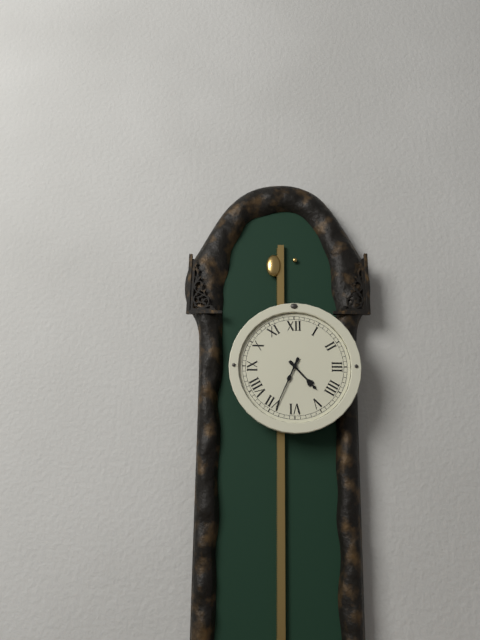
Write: 4 h 34 min
